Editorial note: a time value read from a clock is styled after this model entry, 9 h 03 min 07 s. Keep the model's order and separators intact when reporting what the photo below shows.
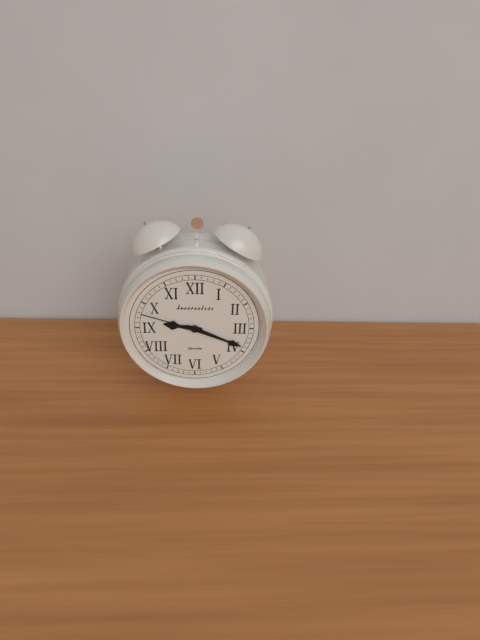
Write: 9 h 19 min 48 s
